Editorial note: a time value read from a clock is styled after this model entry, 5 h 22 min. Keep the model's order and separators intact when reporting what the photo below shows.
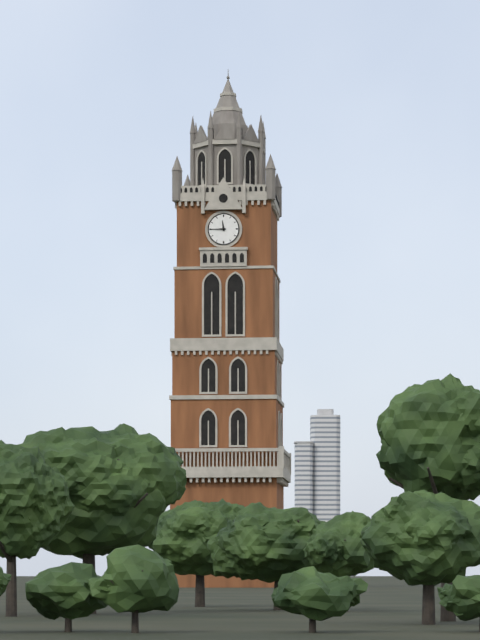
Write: 11 h 45 min
